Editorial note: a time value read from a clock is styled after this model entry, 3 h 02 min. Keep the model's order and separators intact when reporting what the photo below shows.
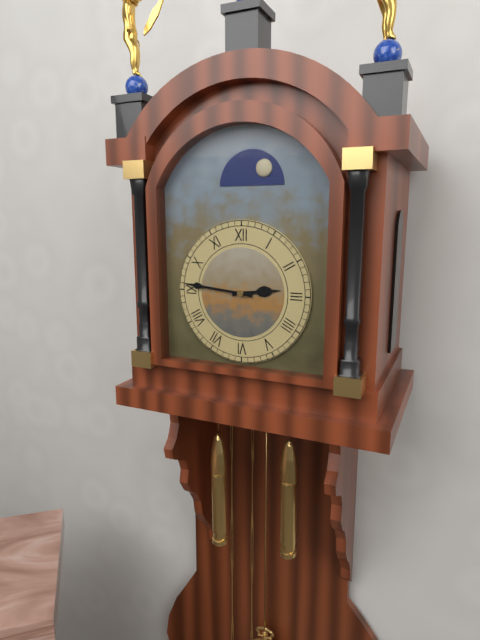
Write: 2 h 46 min
